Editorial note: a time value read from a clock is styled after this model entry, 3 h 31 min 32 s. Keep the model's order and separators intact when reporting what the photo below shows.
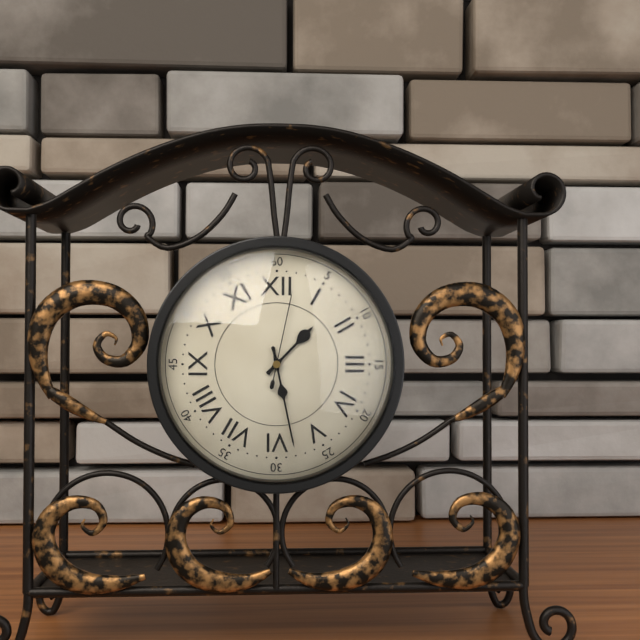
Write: 1 h 28 min 02 s
